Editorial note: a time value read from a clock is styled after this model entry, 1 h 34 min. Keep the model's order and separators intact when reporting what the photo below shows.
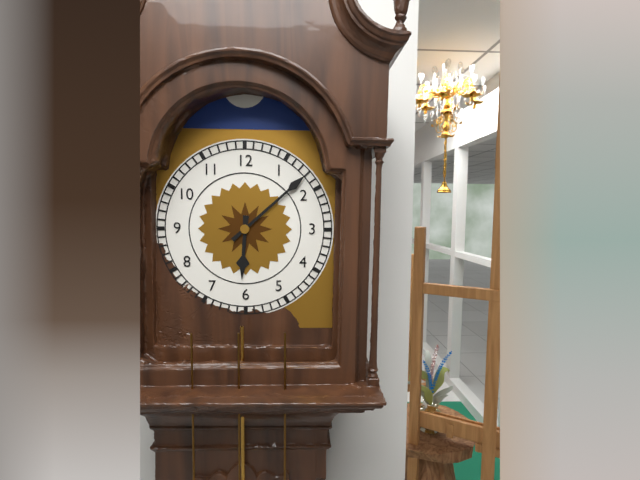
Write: 6 h 08 min
